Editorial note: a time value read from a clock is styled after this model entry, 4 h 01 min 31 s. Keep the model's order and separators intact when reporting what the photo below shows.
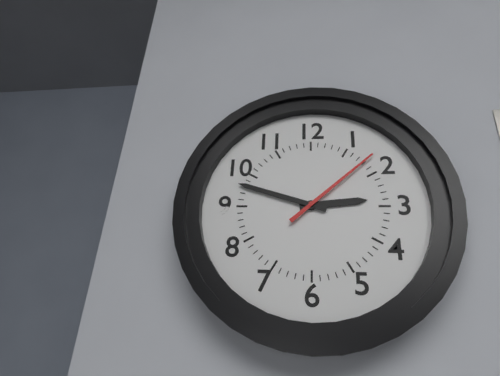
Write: 2 h 48 min 08 s
